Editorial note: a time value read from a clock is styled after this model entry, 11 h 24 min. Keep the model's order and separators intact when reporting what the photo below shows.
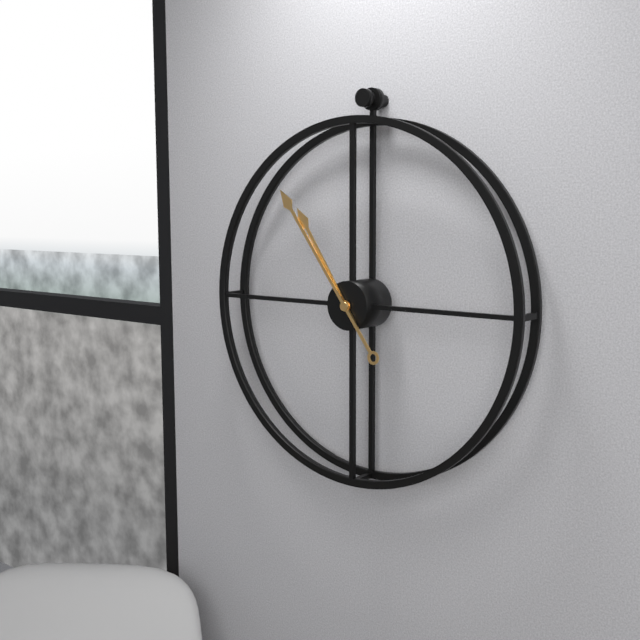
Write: 10 h 54 min
